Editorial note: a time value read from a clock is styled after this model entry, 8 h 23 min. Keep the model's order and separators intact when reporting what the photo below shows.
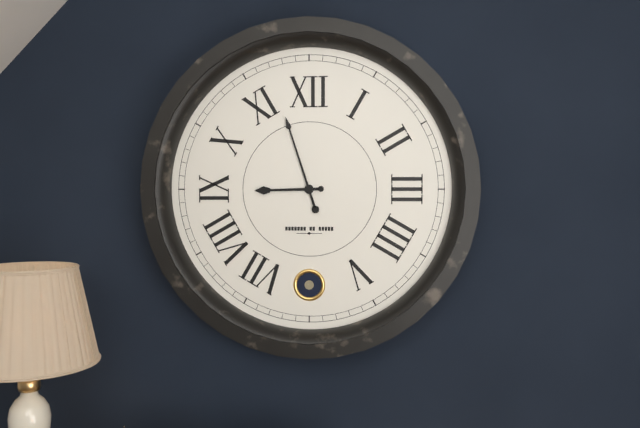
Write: 8 h 57 min
